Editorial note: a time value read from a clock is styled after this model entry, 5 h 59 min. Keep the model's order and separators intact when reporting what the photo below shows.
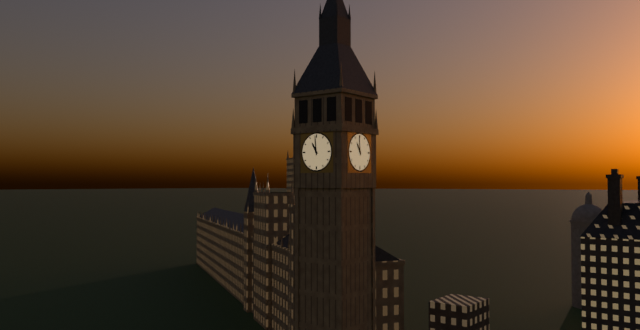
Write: 10 h 59 min
